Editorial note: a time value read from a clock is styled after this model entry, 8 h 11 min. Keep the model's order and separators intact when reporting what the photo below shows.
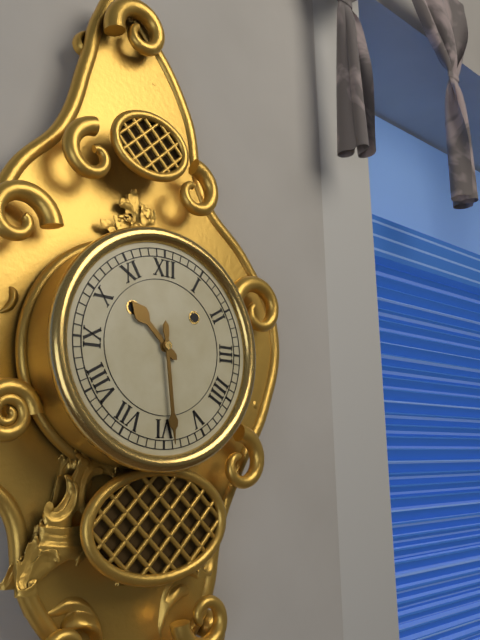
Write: 10 h 29 min
